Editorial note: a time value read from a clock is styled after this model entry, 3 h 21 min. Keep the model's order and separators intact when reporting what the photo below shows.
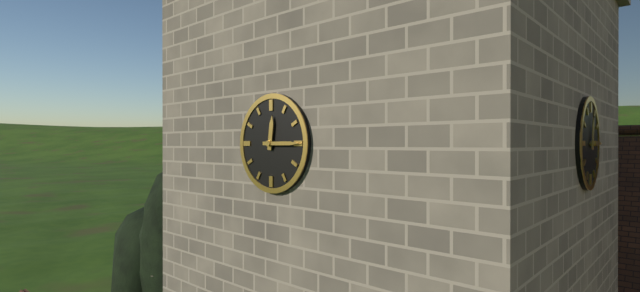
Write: 12 h 15 min
